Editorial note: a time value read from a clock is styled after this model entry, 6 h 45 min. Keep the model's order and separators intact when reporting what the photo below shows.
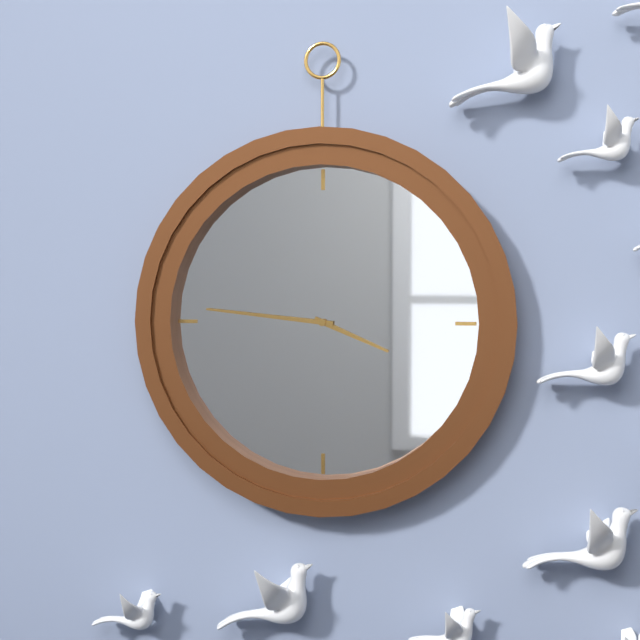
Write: 3 h 46 min
